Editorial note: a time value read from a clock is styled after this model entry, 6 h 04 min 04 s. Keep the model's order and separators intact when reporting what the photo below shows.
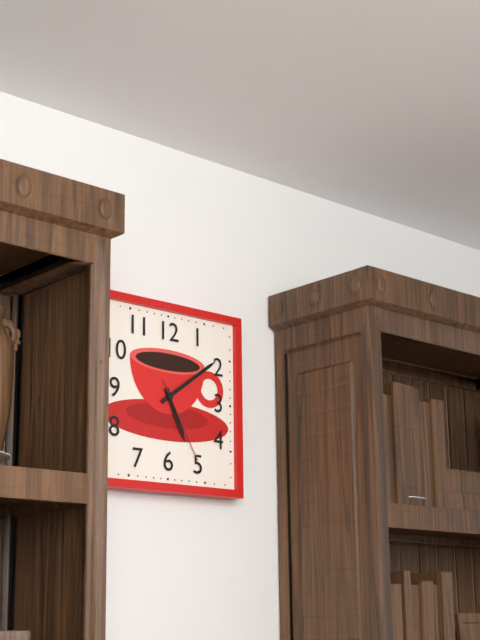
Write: 5 h 09 min 25 s
